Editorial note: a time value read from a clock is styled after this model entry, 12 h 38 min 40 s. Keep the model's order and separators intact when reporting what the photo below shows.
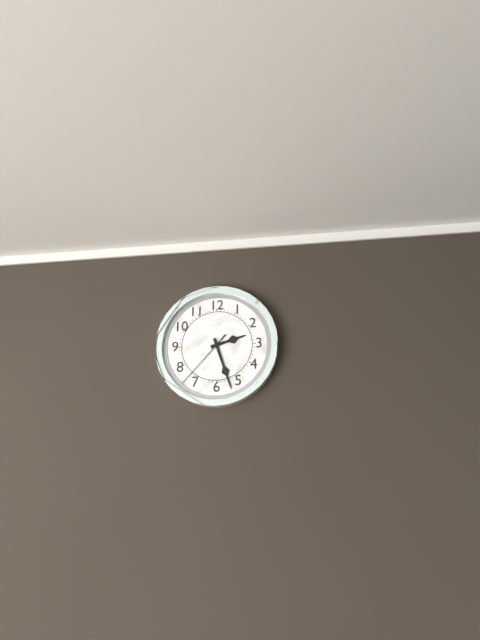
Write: 2 h 27 min 37 s
